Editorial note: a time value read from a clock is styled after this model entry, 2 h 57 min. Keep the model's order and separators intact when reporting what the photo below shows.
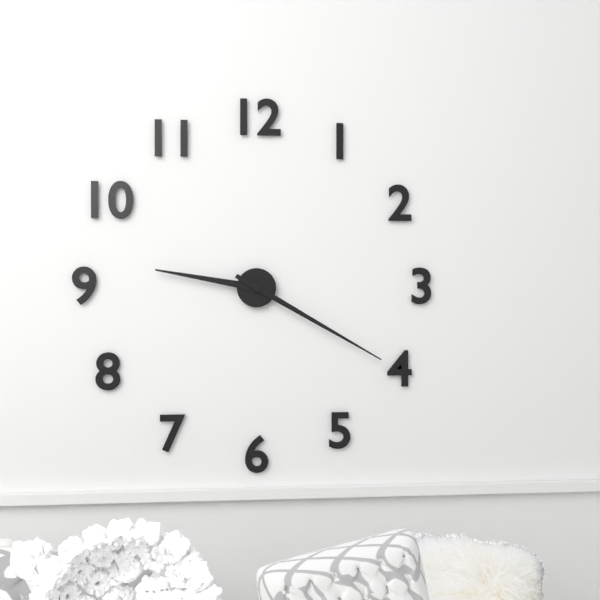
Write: 9 h 20 min
